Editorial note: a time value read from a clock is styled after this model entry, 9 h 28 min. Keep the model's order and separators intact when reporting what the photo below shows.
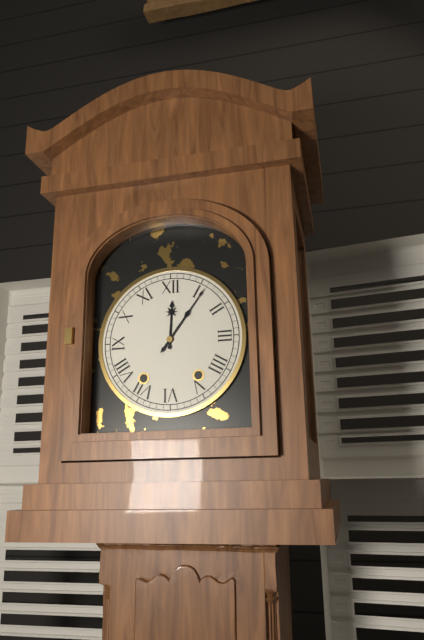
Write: 12 h 06 min
